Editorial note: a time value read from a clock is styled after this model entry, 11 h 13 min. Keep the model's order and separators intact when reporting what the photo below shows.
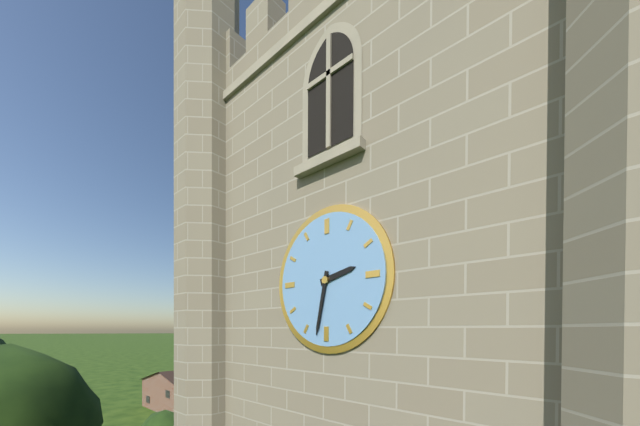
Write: 2 h 32 min
